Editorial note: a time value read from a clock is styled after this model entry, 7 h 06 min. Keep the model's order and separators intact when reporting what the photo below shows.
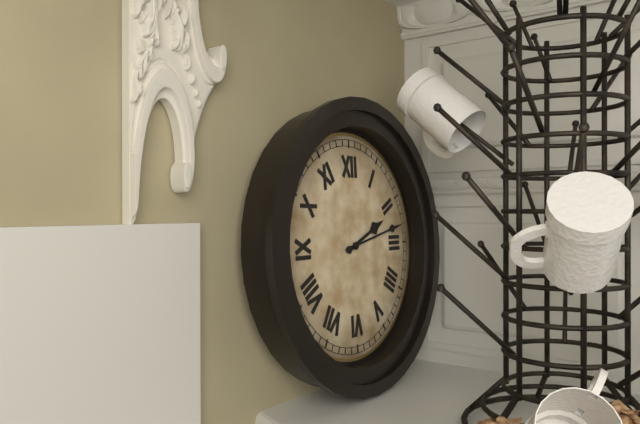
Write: 2 h 13 min
